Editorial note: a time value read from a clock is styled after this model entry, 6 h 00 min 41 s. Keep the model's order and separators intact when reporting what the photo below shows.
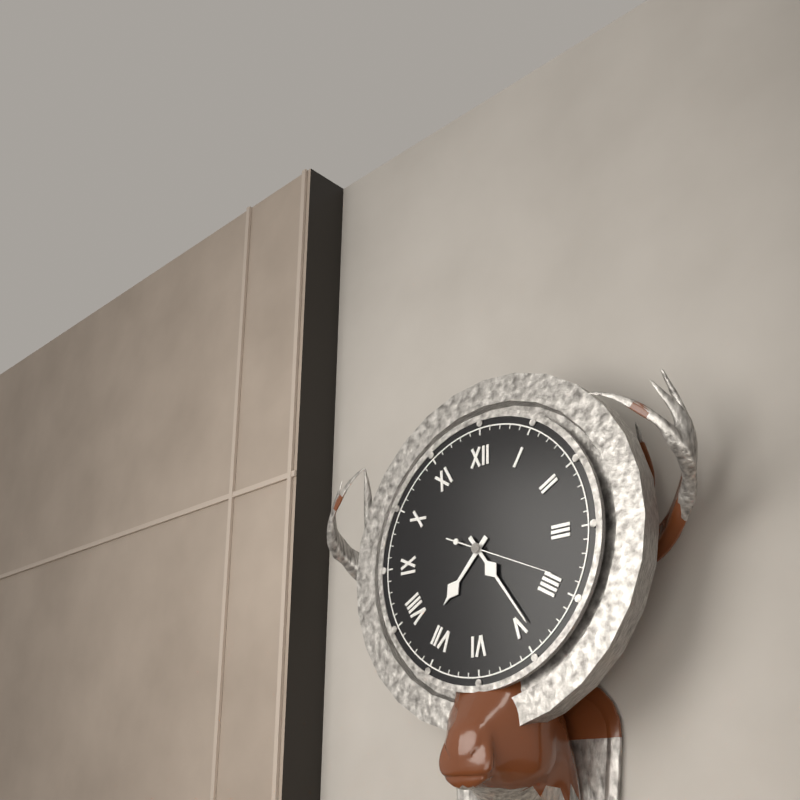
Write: 7 h 24 min 19 s
